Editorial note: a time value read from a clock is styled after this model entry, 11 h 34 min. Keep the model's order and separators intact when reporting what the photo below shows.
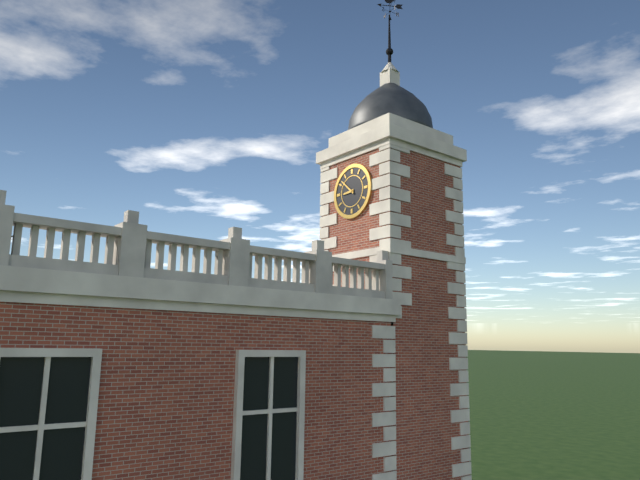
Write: 8 h 52 min
